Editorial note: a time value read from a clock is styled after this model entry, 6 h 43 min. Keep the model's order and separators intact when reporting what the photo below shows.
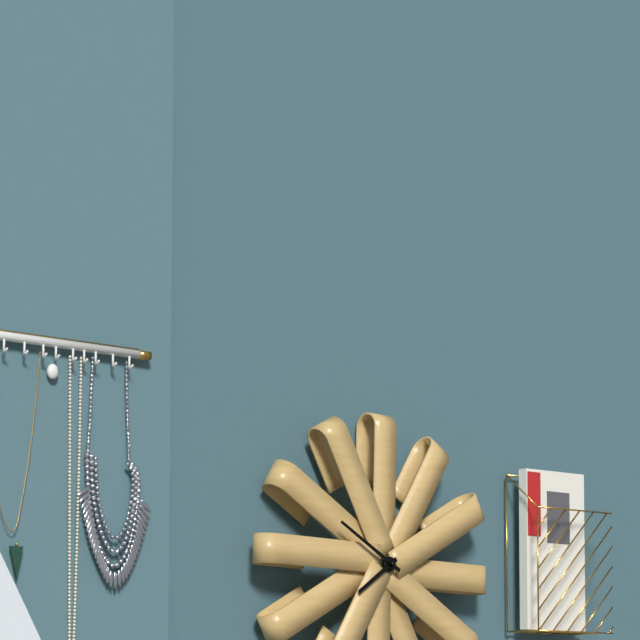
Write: 7 h 50 min
